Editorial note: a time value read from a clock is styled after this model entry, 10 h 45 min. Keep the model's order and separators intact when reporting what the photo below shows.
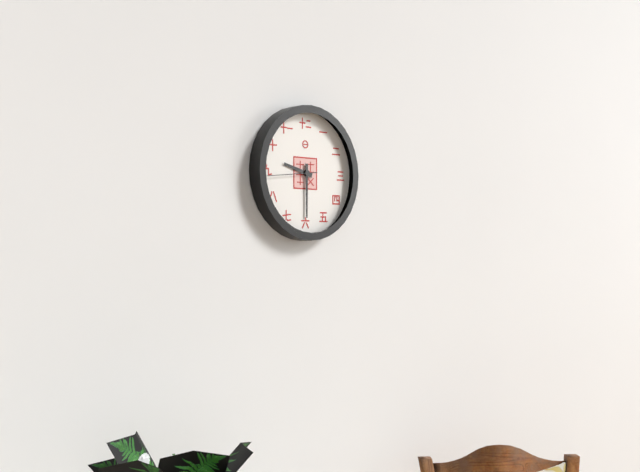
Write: 9 h 30 min
